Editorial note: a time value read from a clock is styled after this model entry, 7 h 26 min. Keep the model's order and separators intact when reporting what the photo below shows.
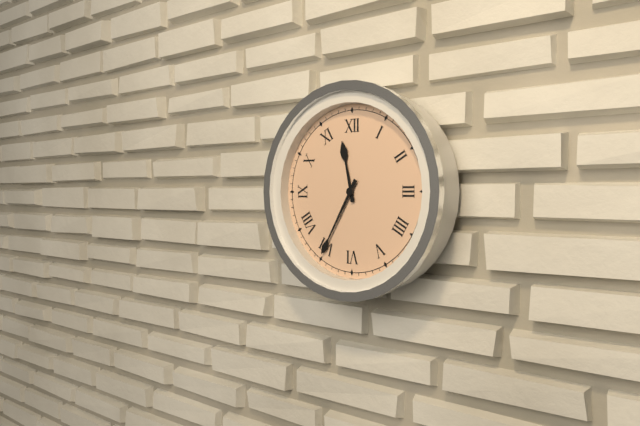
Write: 11 h 35 min
